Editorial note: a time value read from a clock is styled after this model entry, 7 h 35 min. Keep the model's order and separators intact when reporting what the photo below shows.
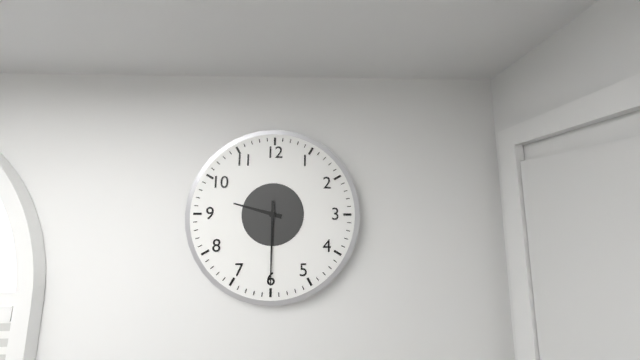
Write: 9 h 30 min
